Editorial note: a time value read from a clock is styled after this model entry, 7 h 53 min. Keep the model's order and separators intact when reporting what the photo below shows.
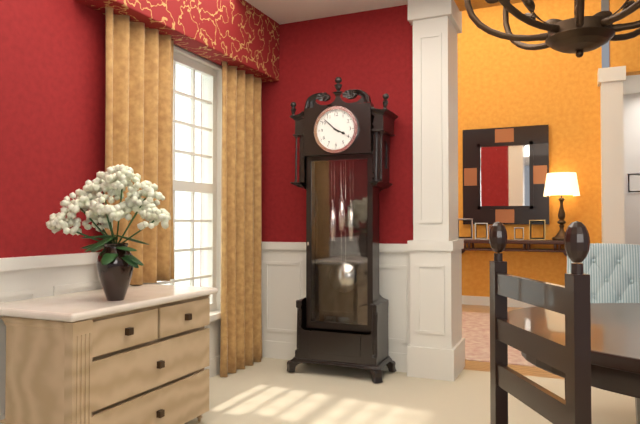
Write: 3 h 52 min
